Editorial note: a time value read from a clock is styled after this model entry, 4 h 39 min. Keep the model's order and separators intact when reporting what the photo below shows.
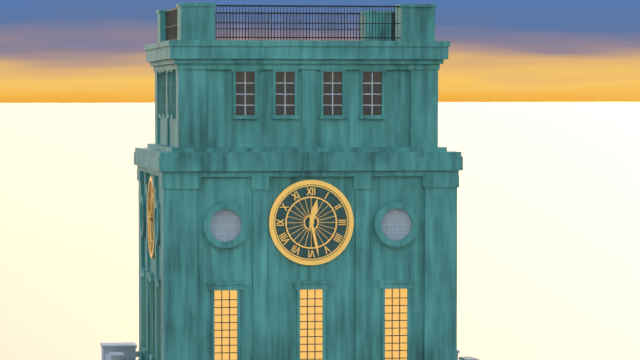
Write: 12 h 28 min
